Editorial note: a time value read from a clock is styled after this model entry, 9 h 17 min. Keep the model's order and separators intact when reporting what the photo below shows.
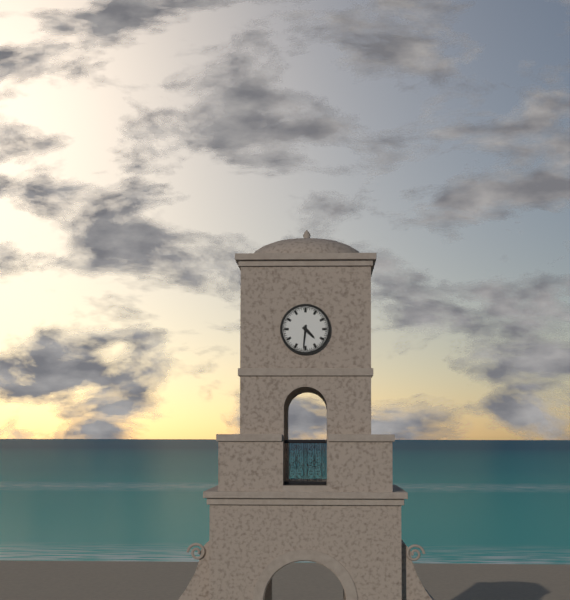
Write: 4 h 31 min
